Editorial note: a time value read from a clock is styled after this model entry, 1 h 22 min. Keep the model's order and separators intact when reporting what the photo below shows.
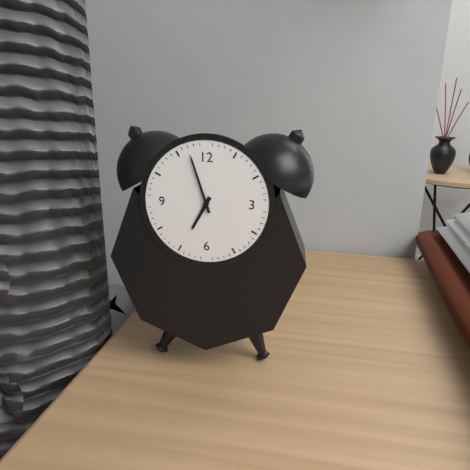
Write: 6 h 57 min
